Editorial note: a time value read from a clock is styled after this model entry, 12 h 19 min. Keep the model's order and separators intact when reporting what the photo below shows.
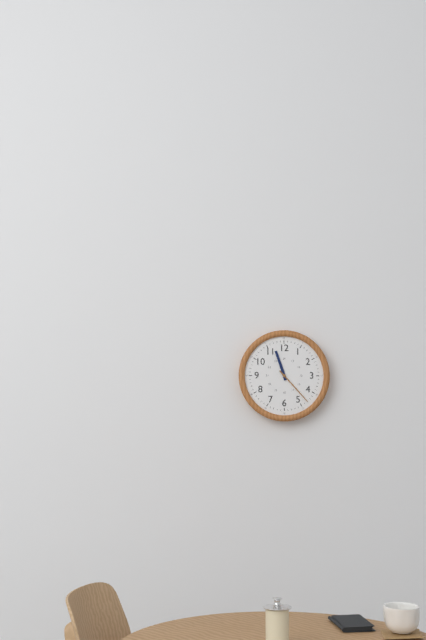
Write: 11 h 23 min
